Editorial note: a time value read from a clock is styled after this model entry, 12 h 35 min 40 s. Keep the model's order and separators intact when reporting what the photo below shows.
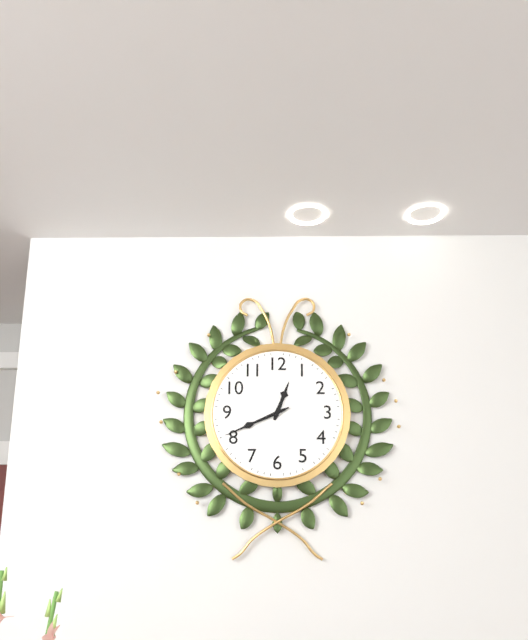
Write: 12 h 41 min 41 s
